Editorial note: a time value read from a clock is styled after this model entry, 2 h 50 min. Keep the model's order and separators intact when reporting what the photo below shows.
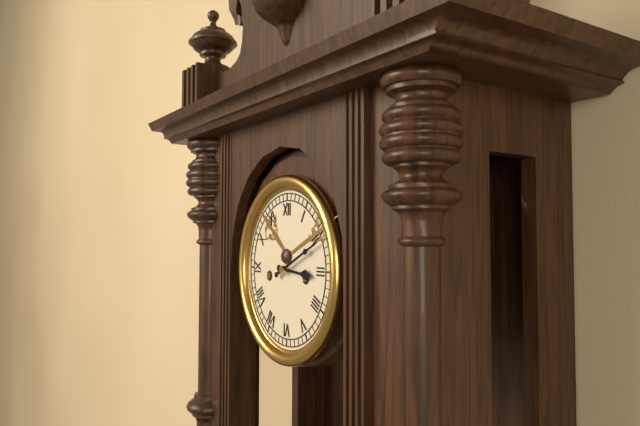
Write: 3 h 11 min
